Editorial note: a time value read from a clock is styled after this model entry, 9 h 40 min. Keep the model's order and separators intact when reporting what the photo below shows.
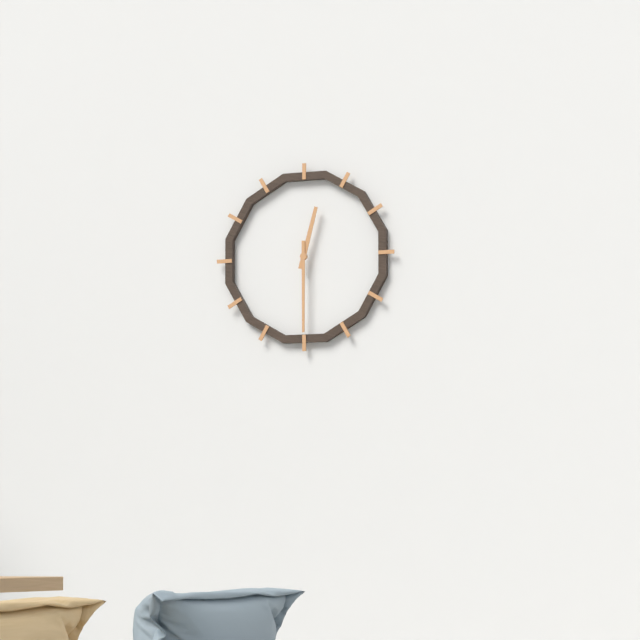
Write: 12 h 30 min
